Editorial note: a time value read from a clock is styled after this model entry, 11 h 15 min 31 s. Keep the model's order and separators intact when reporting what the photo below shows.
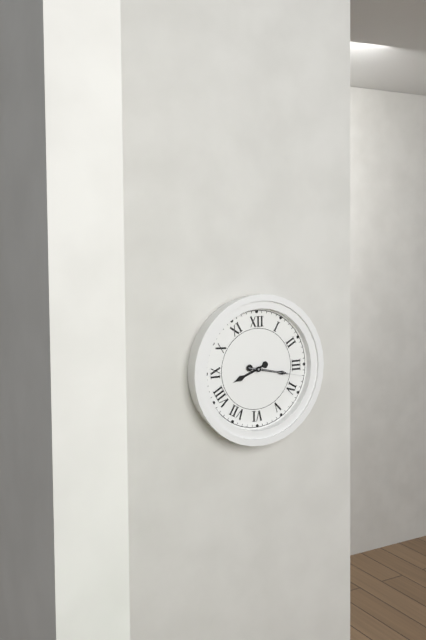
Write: 8 h 17 min 17 s
